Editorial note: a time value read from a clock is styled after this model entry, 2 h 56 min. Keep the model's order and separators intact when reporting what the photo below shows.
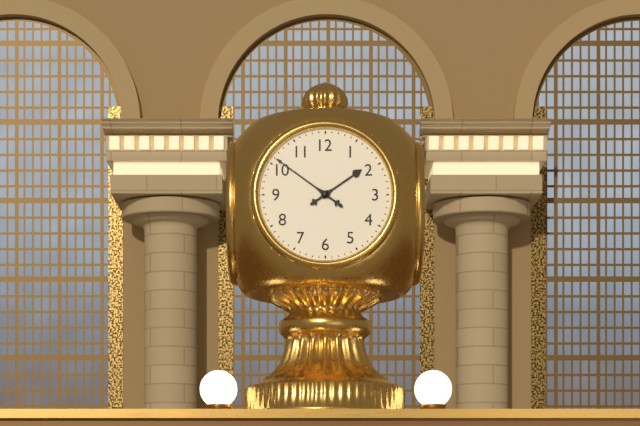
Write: 1 h 51 min
